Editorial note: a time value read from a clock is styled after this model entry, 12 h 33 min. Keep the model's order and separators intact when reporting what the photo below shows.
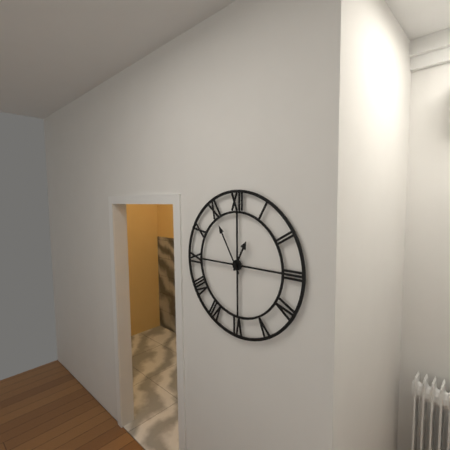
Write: 12 h 55 min
